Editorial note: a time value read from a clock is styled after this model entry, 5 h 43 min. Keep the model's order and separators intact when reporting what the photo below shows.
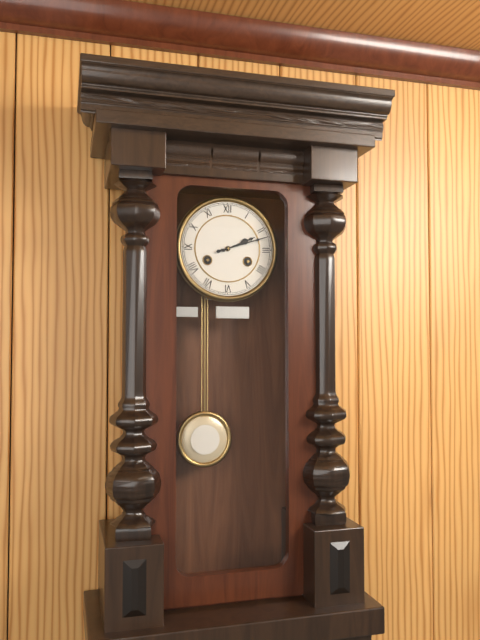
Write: 2 h 12 min
